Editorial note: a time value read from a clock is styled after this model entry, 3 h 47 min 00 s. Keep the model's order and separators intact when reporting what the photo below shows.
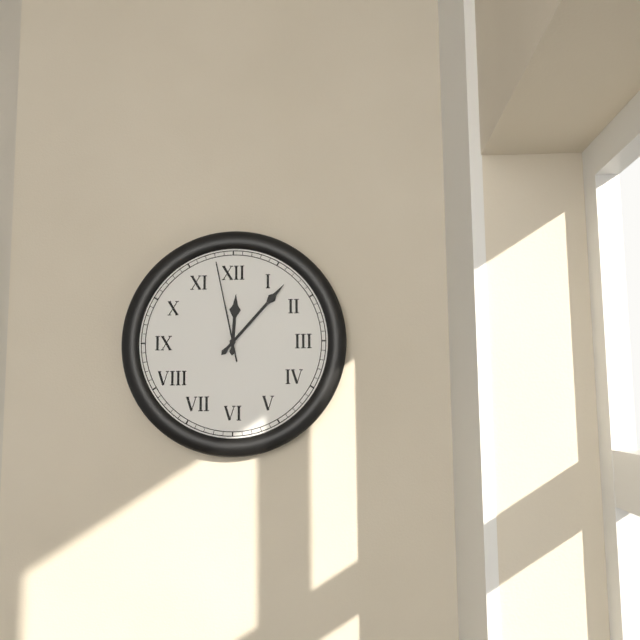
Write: 12 h 07 min 58 s
